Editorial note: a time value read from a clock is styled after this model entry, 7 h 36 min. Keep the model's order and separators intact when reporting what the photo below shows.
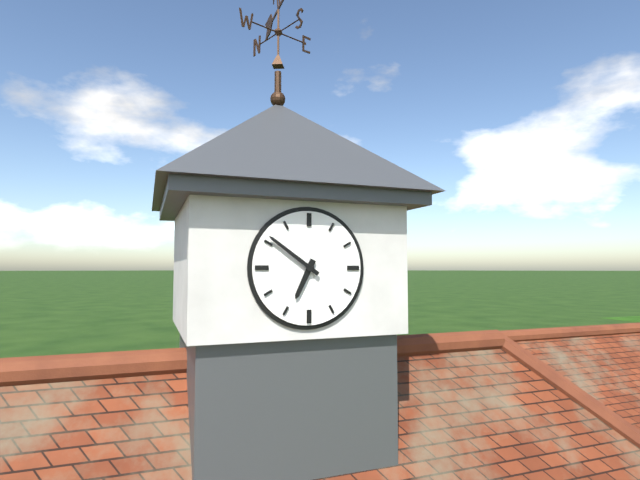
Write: 6 h 51 min
